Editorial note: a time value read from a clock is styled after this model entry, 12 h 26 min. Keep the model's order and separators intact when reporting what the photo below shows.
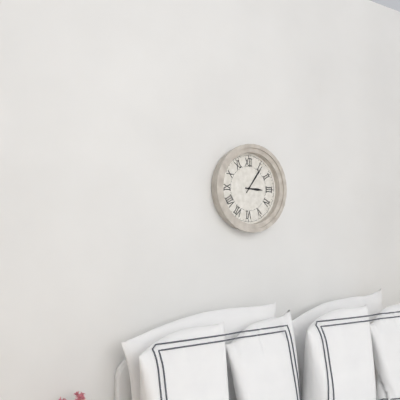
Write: 3 h 06 min
